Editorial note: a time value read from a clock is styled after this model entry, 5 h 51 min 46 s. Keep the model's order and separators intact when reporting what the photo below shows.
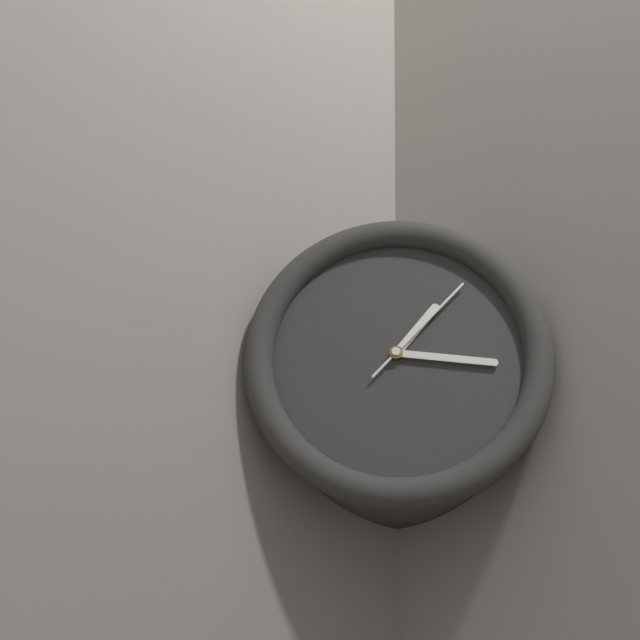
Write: 1 h 16 min 07 s
